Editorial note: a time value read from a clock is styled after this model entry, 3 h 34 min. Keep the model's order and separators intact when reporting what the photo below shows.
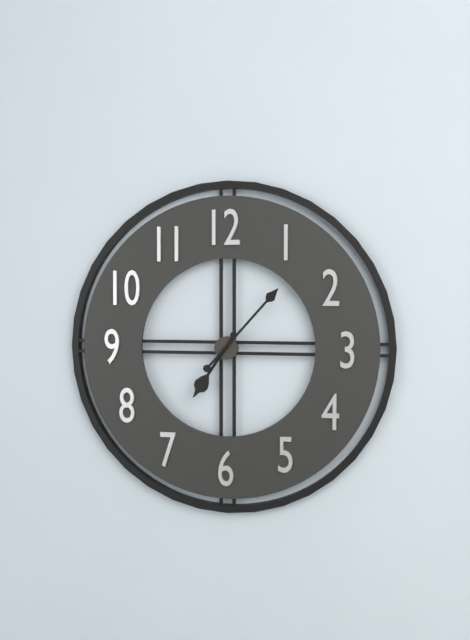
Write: 7 h 07 min
